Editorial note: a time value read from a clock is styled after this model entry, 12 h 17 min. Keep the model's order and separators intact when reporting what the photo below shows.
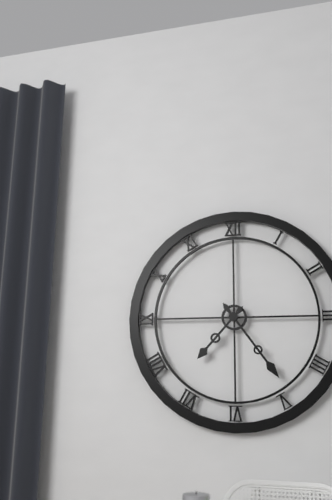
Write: 7 h 24 min
